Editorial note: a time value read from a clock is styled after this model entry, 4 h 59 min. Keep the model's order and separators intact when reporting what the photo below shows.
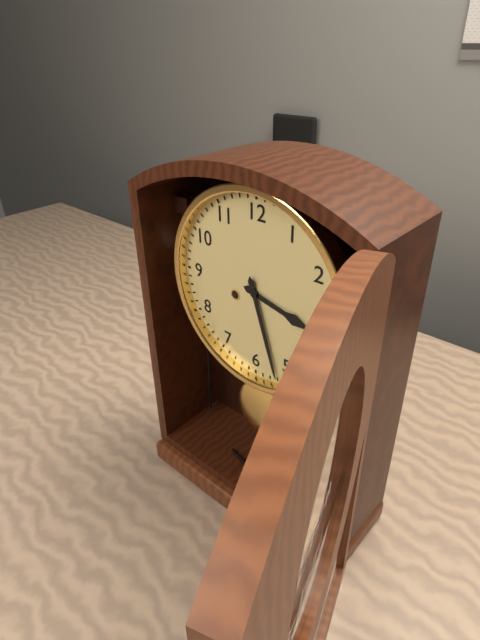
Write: 3 h 27 min
